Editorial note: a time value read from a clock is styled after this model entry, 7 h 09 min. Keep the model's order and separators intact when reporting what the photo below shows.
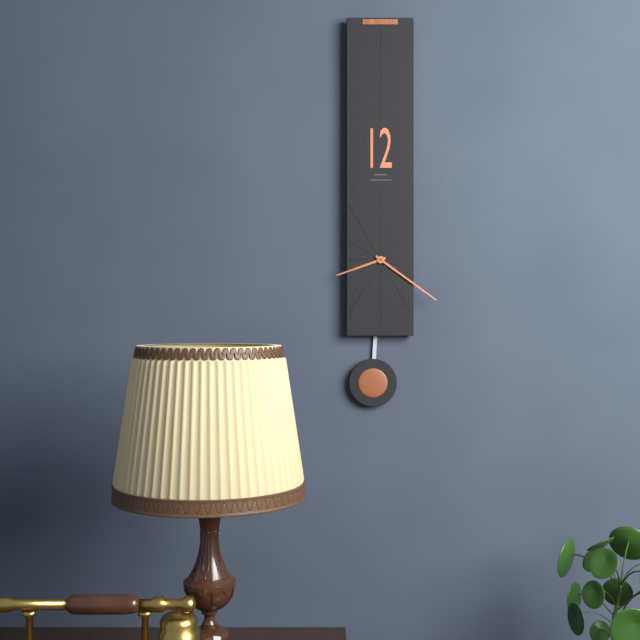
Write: 8 h 21 min
